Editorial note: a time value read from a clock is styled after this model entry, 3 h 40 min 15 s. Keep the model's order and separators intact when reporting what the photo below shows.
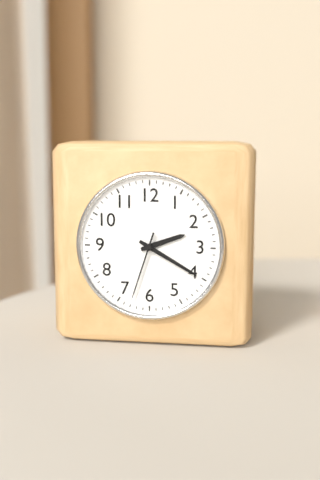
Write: 2 h 20 min 33 s
